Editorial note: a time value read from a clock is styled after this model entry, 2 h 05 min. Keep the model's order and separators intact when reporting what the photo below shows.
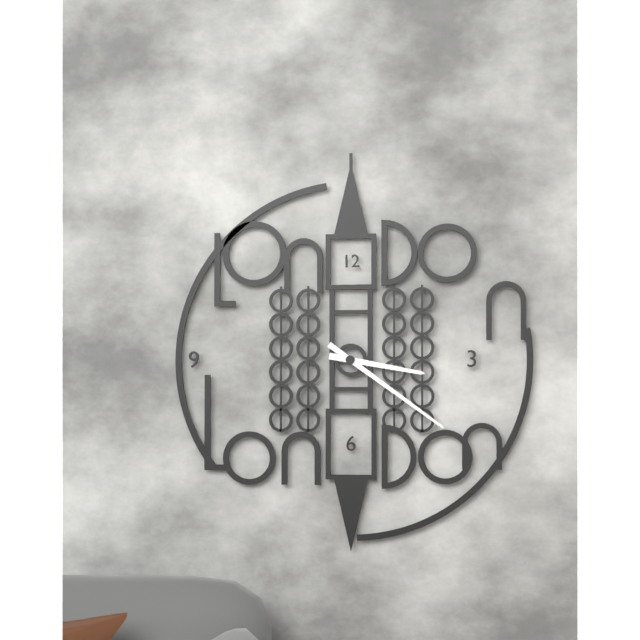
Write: 3 h 21 min
